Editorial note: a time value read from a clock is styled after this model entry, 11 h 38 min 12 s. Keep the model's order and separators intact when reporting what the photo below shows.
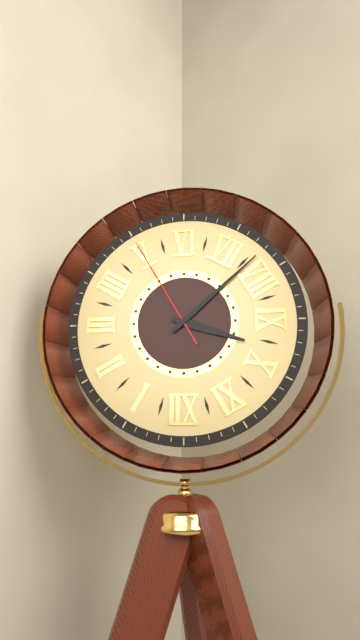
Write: 9 h 38 min 25 s
